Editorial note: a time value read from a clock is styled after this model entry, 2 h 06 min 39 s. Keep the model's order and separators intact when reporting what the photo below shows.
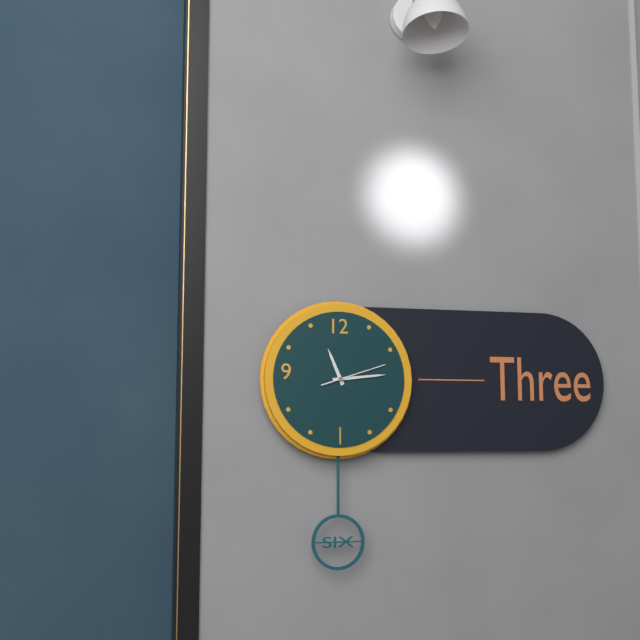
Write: 11 h 14 min 12 s
